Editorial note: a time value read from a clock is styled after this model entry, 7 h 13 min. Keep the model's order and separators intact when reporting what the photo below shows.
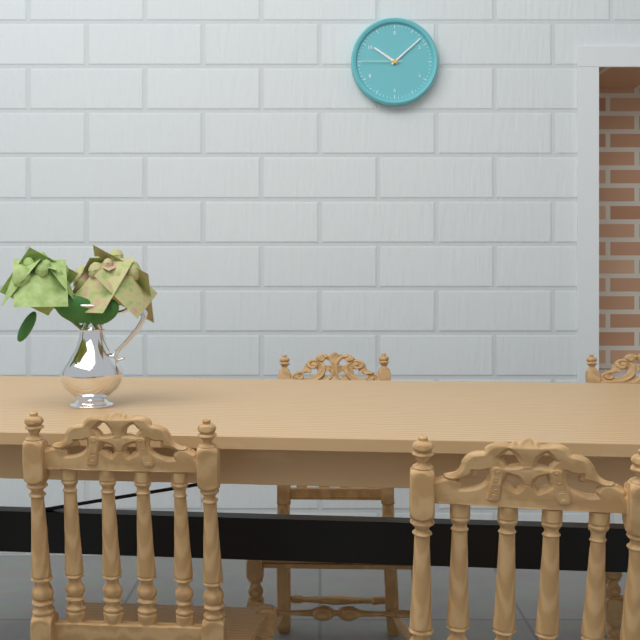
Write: 10 h 08 min
